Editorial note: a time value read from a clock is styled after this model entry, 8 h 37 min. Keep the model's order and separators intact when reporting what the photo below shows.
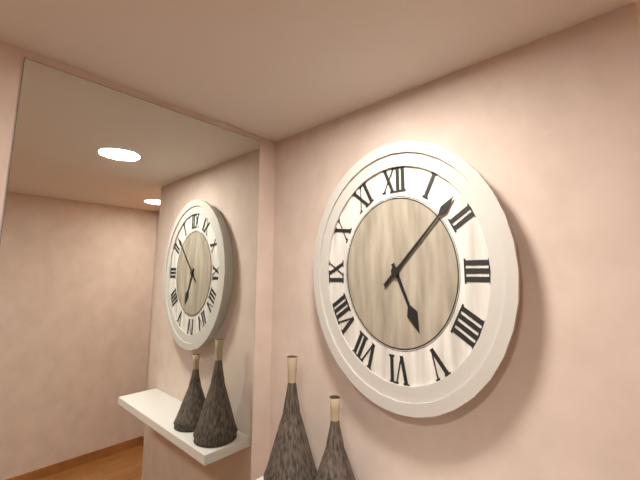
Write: 5 h 08 min
